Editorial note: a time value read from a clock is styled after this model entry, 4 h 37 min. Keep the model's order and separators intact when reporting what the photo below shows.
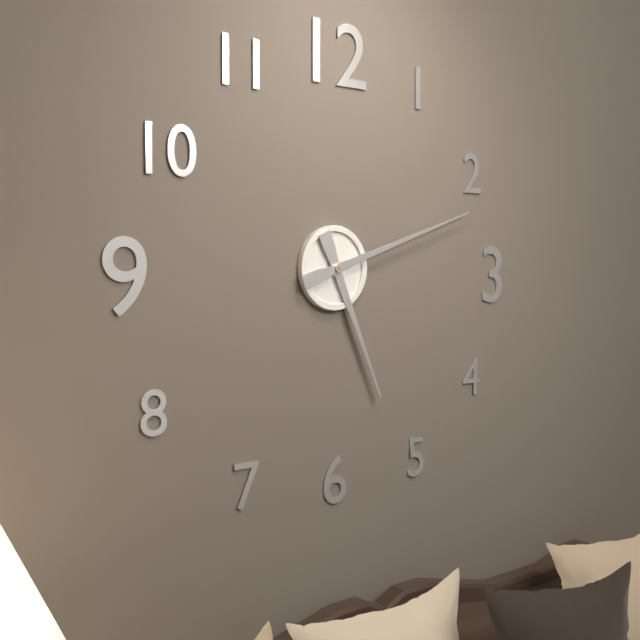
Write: 5 h 12 min
